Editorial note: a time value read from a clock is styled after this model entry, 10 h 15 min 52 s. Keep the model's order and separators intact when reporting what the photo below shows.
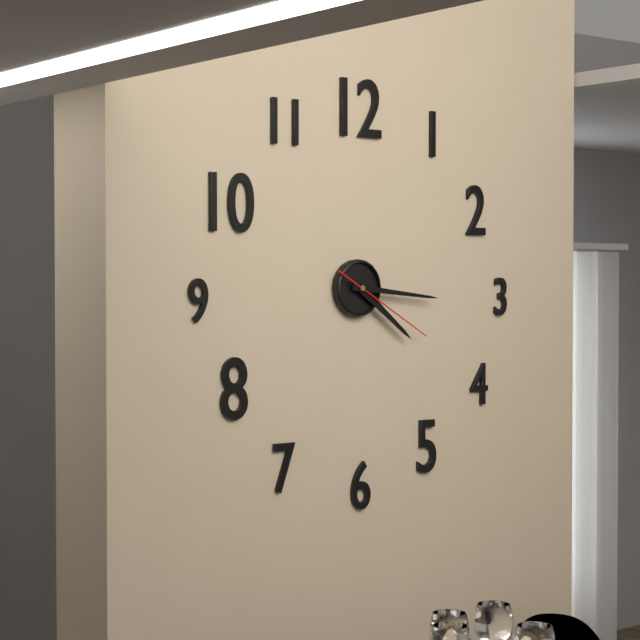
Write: 4 h 16 min 20 s
